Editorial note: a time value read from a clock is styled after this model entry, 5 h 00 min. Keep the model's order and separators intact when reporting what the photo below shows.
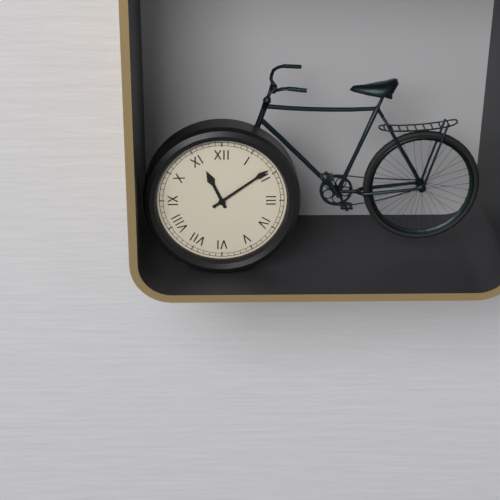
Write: 11 h 09 min
